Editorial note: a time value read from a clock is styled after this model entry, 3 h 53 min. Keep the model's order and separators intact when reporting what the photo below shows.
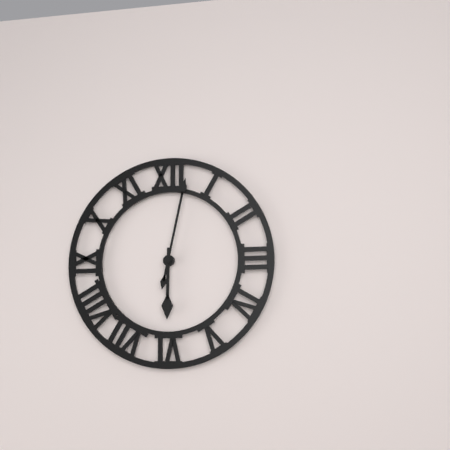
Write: 6 h 02 min
